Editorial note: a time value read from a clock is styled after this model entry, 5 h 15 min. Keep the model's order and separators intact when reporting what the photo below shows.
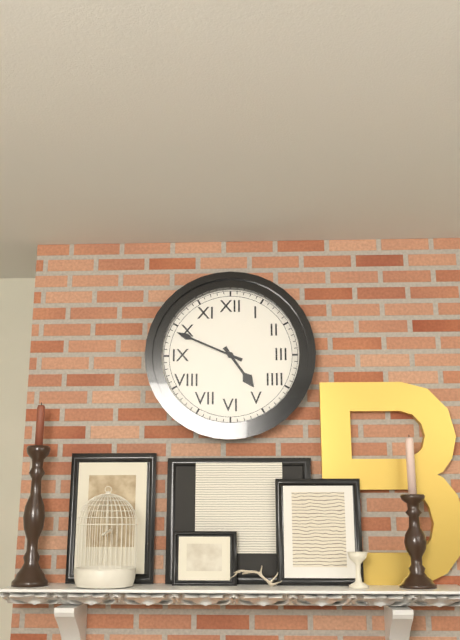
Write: 4 h 49 min
